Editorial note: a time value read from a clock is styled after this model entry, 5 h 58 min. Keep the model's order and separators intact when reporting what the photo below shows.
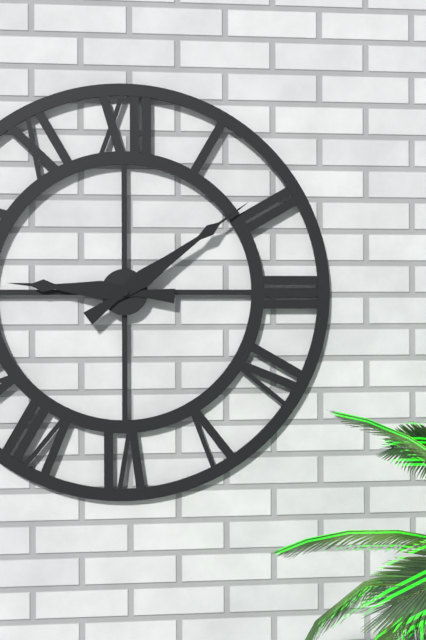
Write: 9 h 09 min
